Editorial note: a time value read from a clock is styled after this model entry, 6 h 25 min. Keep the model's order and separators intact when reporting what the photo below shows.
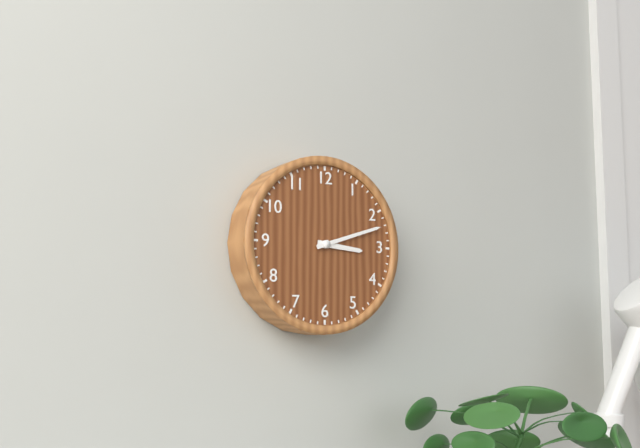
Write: 3 h 12 min
